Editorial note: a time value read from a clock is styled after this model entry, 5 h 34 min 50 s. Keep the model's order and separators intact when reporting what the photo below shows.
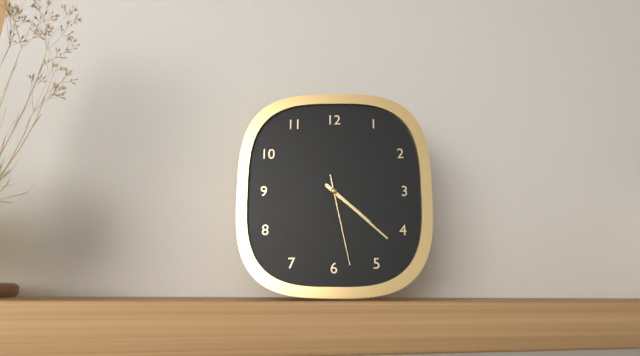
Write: 4 h 22 min 28 s
